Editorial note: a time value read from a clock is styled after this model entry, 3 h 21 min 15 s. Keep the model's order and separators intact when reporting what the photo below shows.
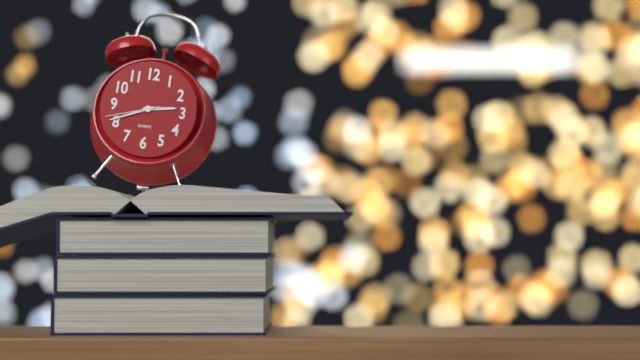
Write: 2 h 41 min 42 s
